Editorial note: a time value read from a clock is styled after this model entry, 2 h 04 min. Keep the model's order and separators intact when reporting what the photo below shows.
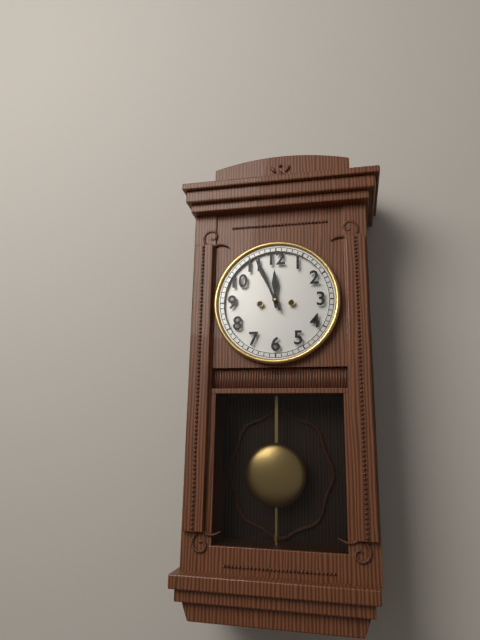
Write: 11 h 56 min
